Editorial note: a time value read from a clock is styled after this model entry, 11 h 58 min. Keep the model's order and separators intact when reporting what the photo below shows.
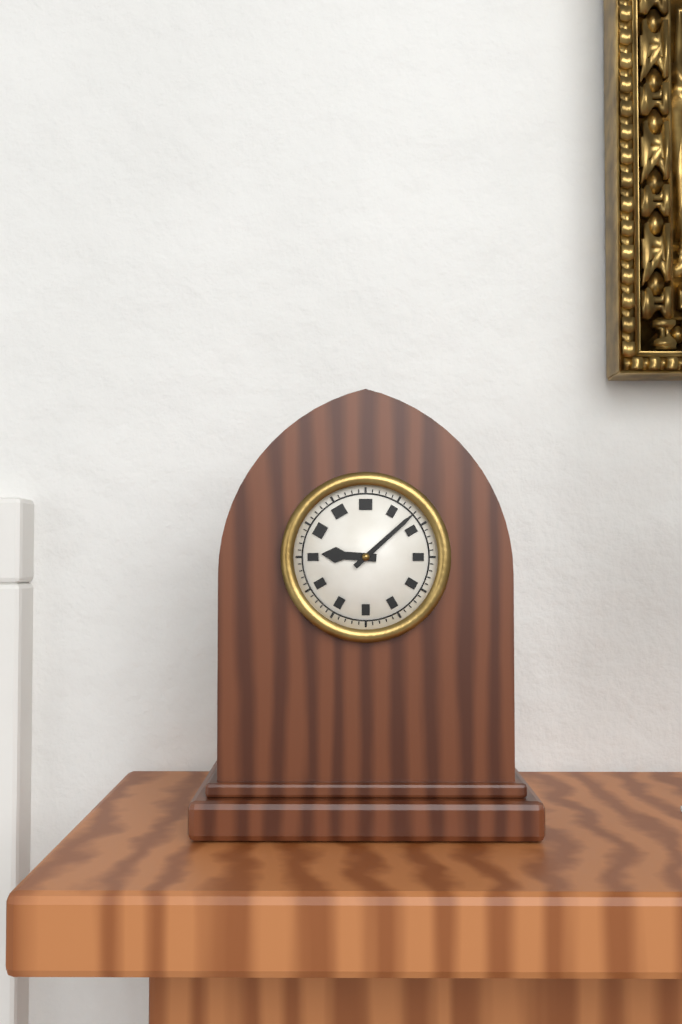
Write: 9 h 08 min
